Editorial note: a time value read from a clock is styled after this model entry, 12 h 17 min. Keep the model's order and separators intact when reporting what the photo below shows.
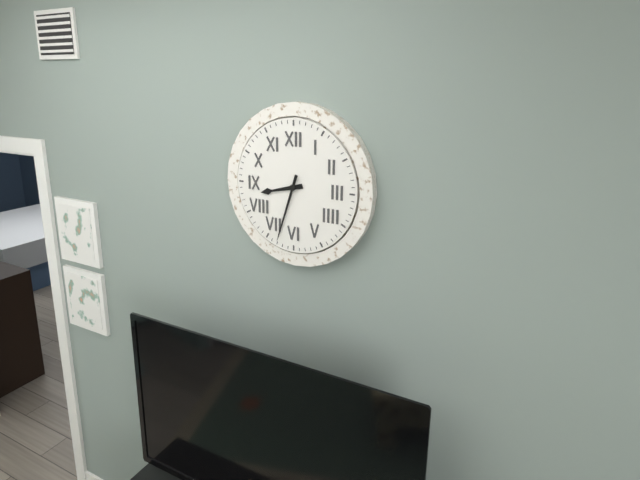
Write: 8 h 33 min
